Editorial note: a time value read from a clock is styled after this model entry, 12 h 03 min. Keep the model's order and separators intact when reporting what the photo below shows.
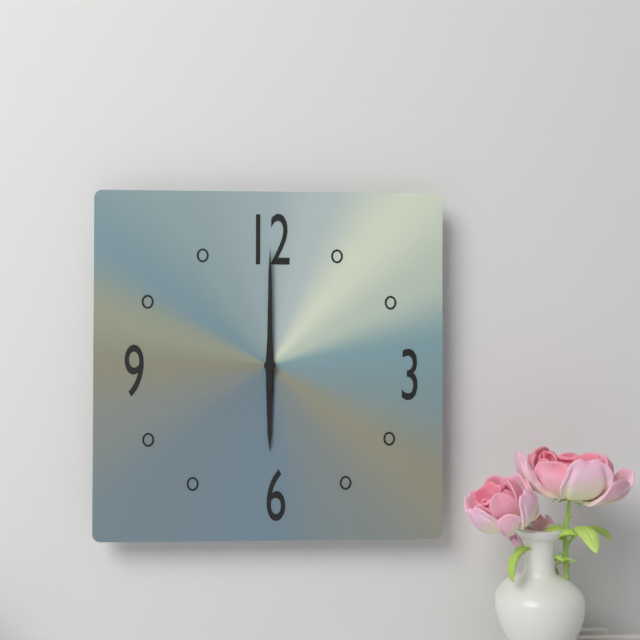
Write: 6 h 00 min
